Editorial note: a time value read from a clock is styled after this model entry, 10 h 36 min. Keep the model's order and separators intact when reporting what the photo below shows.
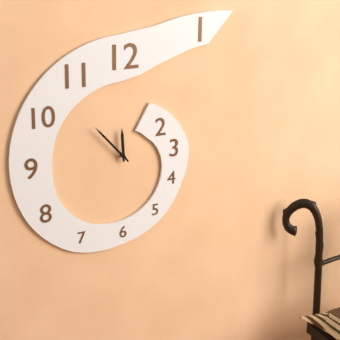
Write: 11 h 53 min
